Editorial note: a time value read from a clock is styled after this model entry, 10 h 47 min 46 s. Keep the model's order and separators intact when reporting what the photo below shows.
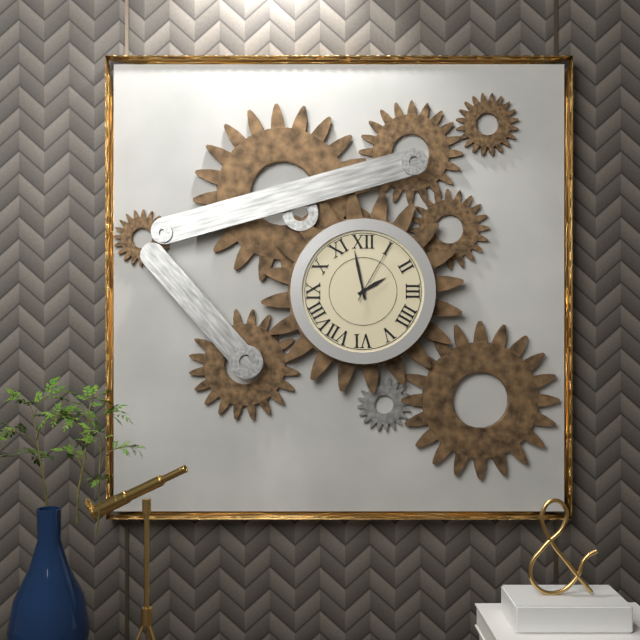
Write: 1 h 58 min 05 s
